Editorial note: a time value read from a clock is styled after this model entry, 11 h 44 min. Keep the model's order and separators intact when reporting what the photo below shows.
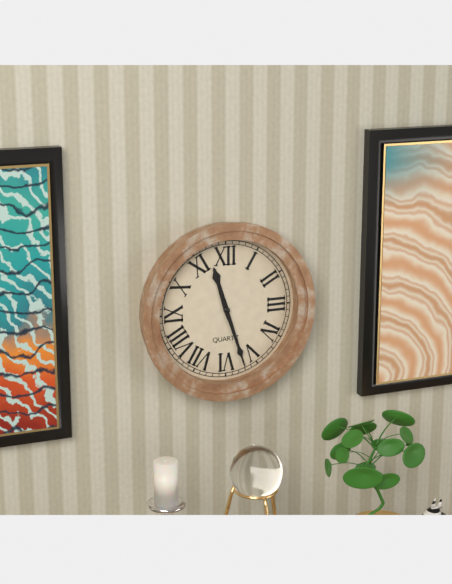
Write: 11 h 27 min
